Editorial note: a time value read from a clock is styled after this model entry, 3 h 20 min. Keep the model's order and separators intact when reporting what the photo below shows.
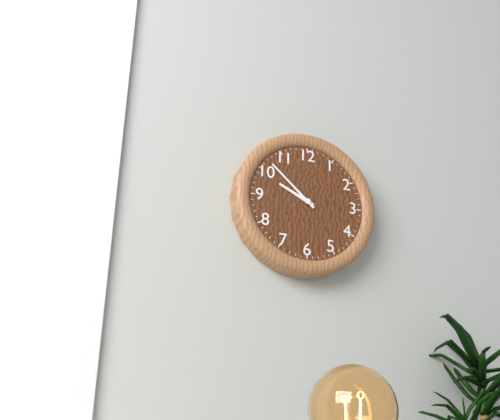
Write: 9 h 52 min
